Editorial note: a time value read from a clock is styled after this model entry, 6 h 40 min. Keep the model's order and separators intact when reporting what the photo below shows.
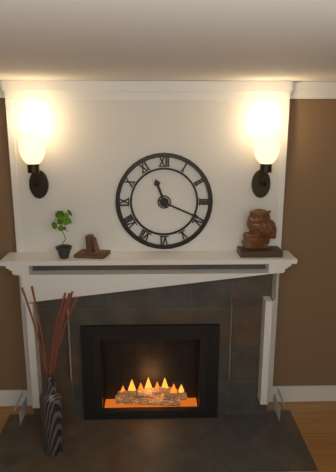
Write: 11 h 19 min
